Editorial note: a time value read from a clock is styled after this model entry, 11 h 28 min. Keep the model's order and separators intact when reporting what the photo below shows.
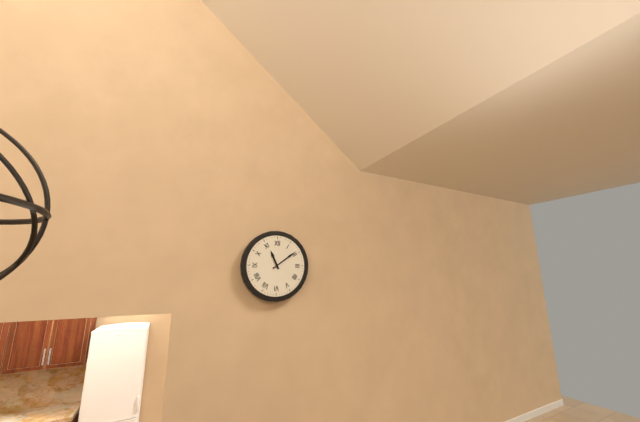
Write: 11 h 09 min
